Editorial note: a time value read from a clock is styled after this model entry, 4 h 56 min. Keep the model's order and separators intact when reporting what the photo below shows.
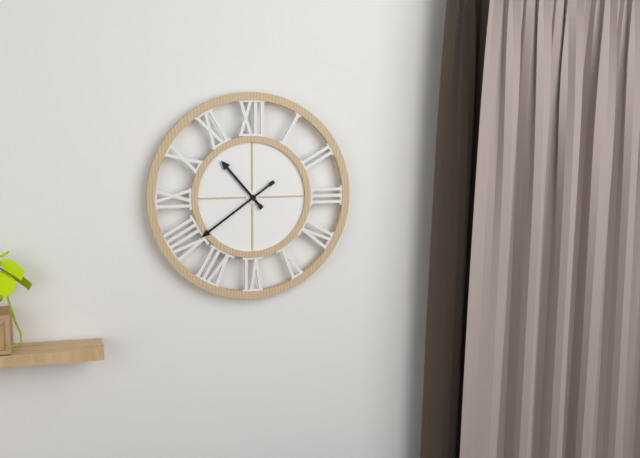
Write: 10 h 39 min
